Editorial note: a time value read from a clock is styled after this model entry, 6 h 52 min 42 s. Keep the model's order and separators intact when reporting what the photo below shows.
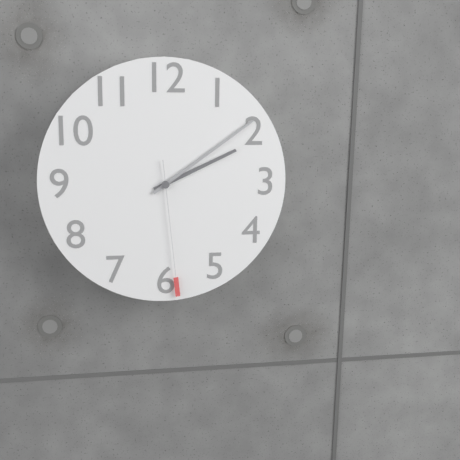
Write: 2 h 09 min 29 s
